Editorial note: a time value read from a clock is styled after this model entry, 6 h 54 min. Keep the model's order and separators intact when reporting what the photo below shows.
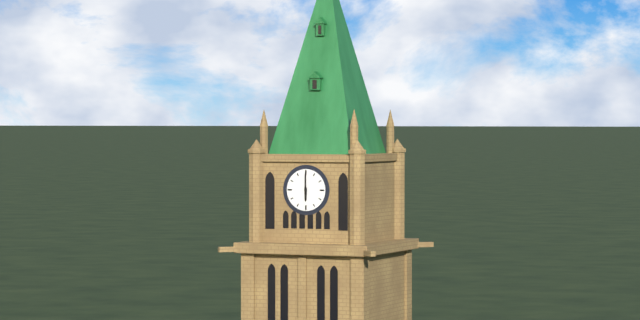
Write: 6 h 00 min
